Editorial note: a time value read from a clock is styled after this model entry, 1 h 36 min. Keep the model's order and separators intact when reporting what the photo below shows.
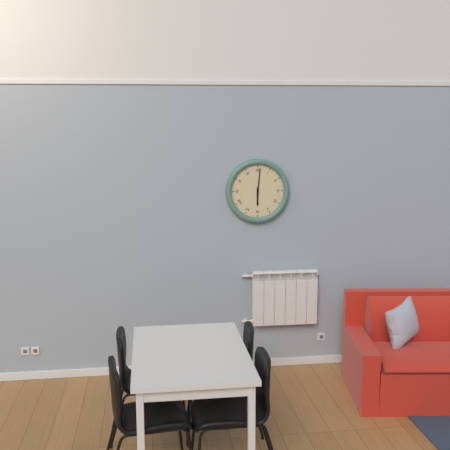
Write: 6 h 01 min
